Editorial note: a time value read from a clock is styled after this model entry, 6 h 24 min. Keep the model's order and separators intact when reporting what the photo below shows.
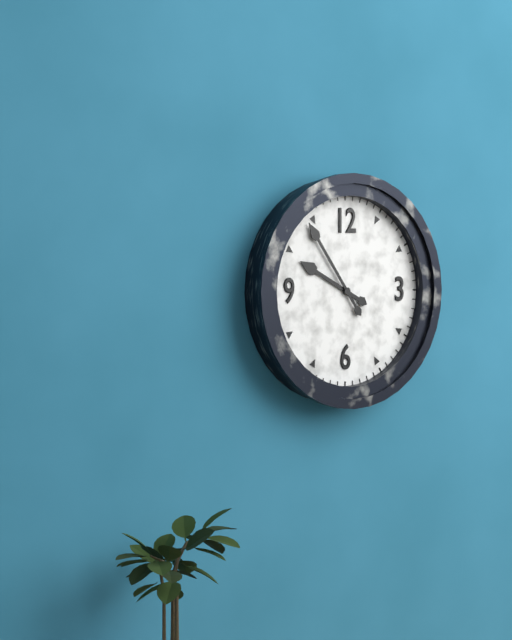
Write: 9 h 54 min
